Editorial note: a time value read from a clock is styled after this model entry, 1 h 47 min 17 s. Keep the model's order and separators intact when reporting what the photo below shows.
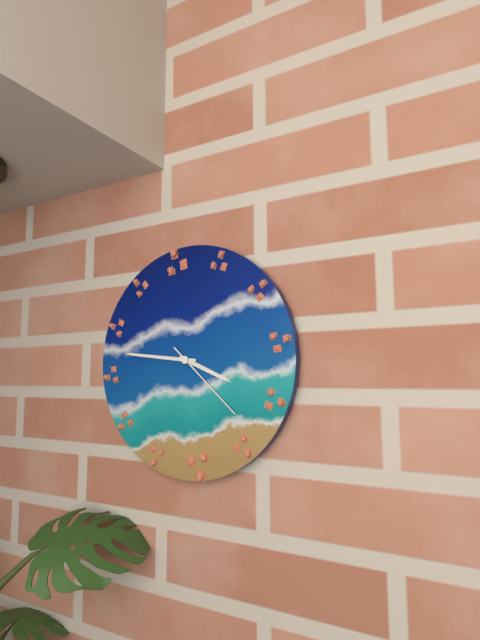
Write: 3 h 46 min 22 s
